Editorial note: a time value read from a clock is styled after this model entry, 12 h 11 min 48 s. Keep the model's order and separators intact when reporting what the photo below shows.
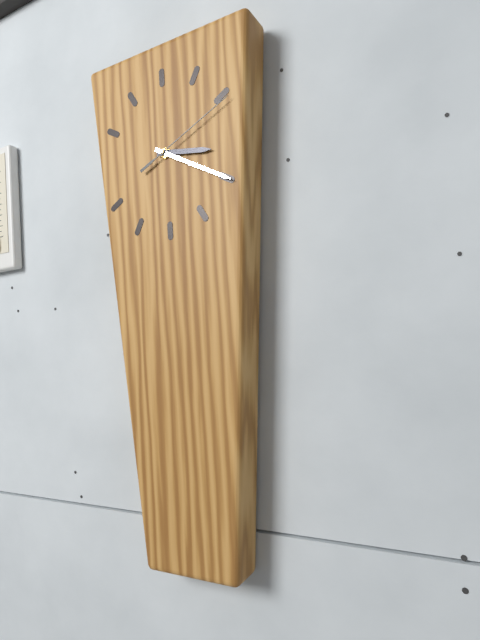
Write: 3 h 20 min 11 s
